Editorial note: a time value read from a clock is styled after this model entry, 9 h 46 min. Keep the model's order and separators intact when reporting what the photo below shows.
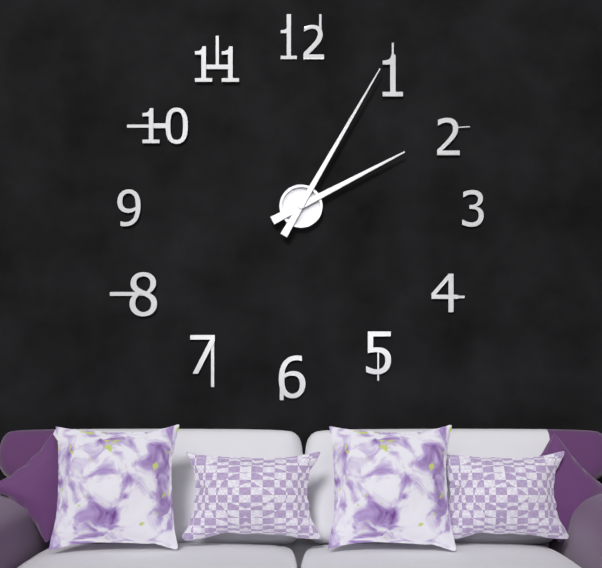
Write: 2 h 05 min
